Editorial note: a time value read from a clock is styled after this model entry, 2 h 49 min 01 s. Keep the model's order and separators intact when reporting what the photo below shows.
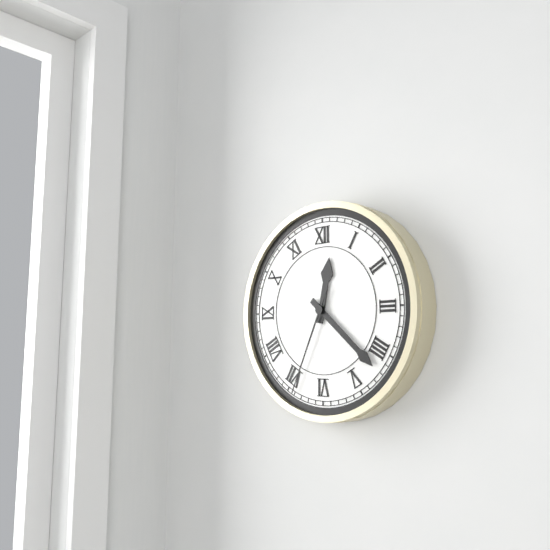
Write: 12 h 22 min 34 s
